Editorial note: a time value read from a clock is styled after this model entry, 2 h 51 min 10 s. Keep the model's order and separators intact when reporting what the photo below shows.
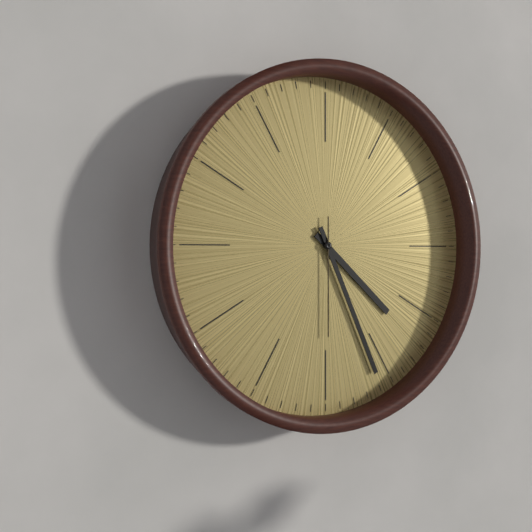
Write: 4 h 26 min 30 s
